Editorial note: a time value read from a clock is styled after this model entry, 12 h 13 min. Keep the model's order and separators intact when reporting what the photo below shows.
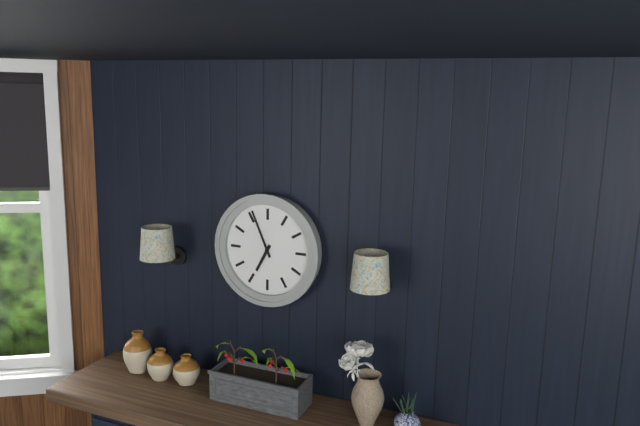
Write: 6 h 56 min
